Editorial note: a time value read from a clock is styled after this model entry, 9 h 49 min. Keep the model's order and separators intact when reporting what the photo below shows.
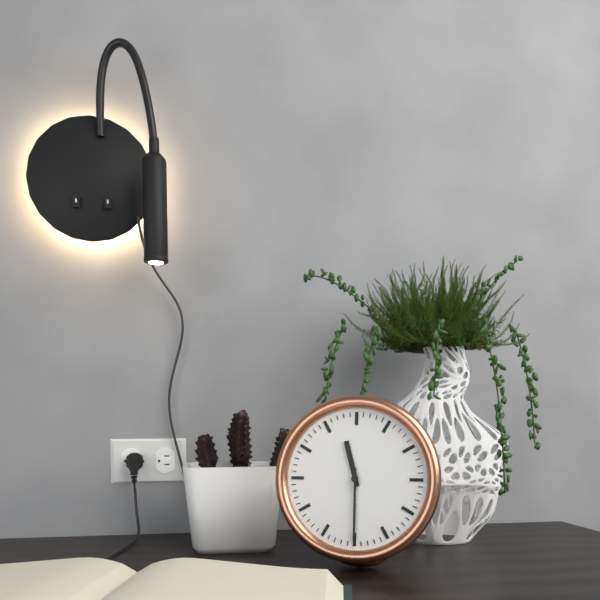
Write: 11 h 30 min
